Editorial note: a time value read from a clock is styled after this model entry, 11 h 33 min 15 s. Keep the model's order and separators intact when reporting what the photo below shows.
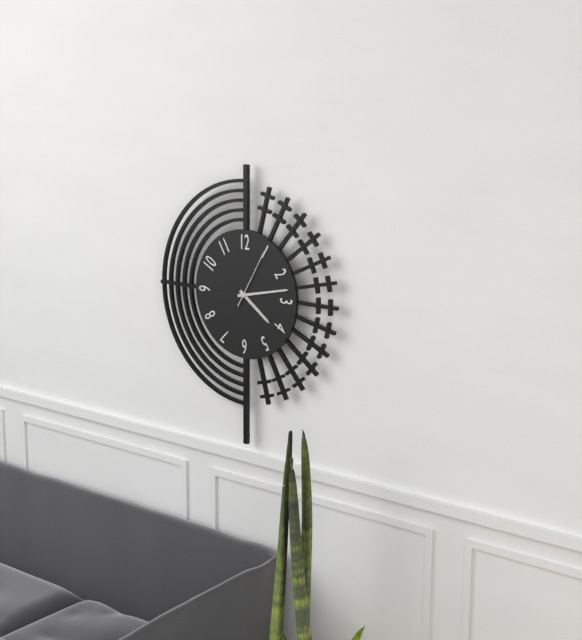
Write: 4 h 13 min 05 s
